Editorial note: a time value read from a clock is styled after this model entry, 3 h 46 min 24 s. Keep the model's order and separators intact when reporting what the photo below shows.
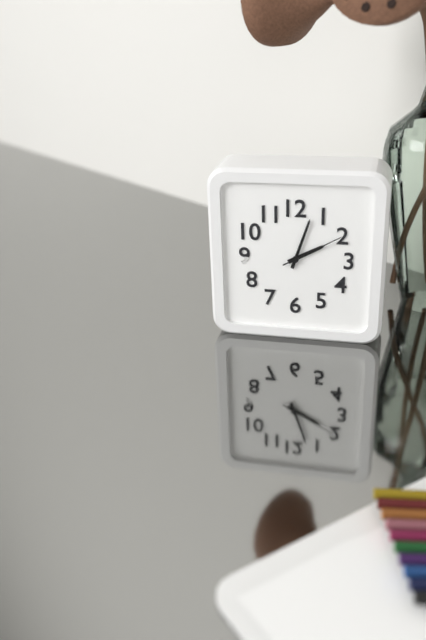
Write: 2 h 03 min 10 s
